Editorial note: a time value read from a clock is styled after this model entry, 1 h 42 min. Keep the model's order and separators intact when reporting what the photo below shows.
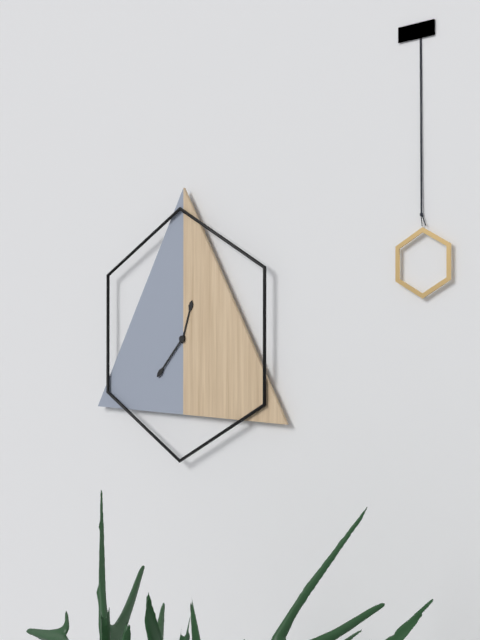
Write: 12 h 37 min
